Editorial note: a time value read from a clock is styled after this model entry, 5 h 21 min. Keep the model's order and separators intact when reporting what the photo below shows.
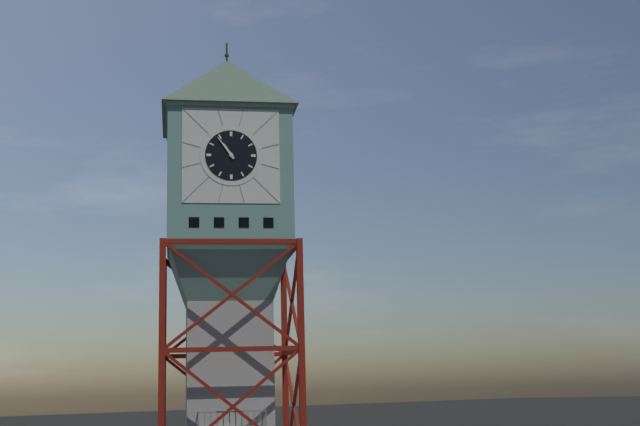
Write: 10 h 54 min
